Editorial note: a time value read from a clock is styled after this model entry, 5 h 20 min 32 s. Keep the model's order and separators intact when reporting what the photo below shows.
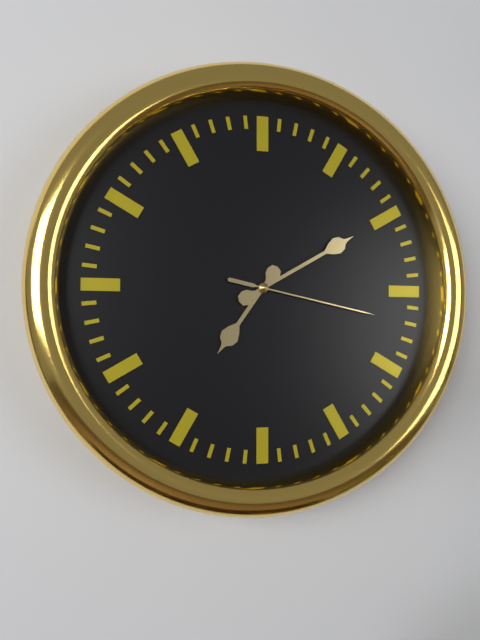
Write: 7 h 10 min 17 s
